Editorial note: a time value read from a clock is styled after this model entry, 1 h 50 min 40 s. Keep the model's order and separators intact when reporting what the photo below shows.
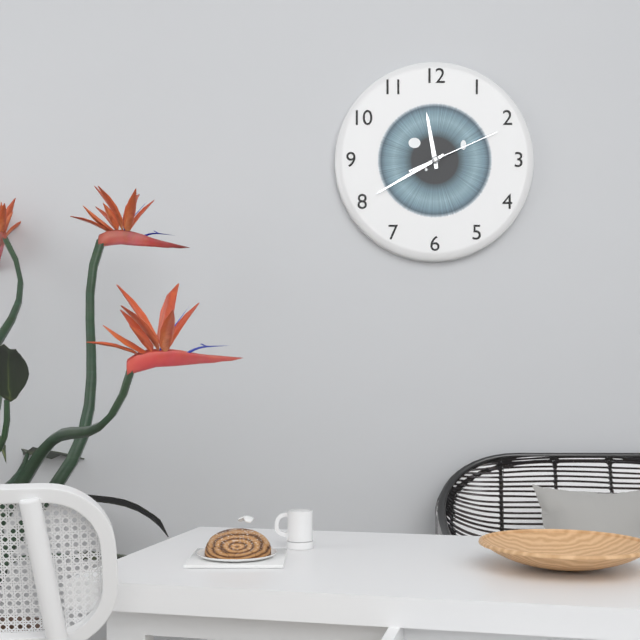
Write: 11 h 40 min 11 s
